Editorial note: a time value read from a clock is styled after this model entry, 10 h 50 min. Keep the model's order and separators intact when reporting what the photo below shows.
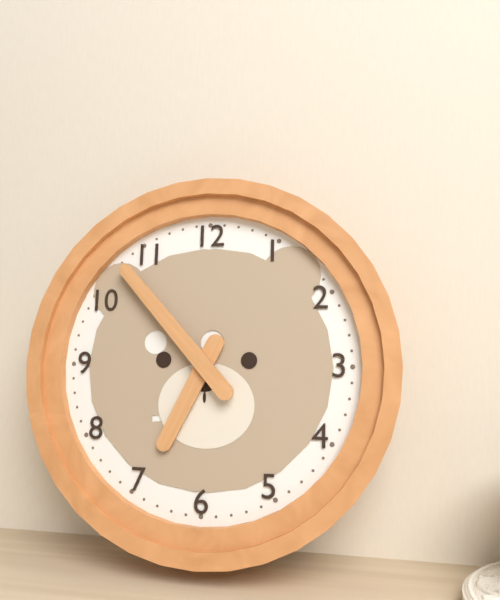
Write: 6 h 53 min
